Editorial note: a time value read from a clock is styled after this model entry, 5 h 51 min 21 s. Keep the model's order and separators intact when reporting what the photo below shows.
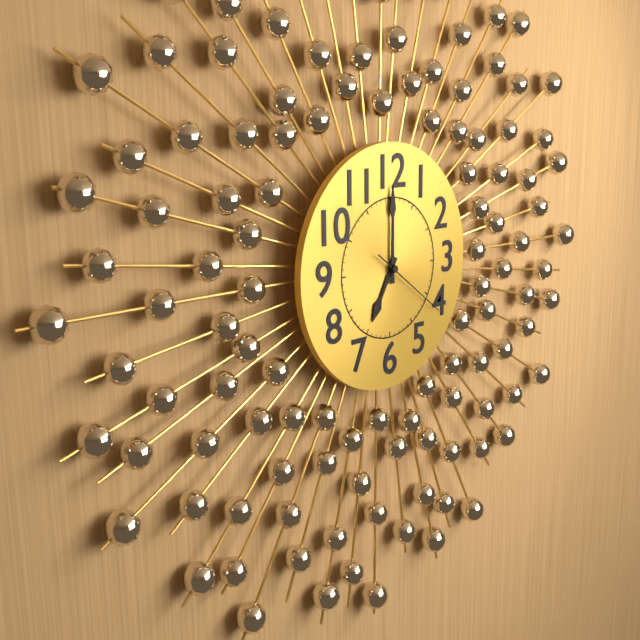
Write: 7 h 00 min 21 s
